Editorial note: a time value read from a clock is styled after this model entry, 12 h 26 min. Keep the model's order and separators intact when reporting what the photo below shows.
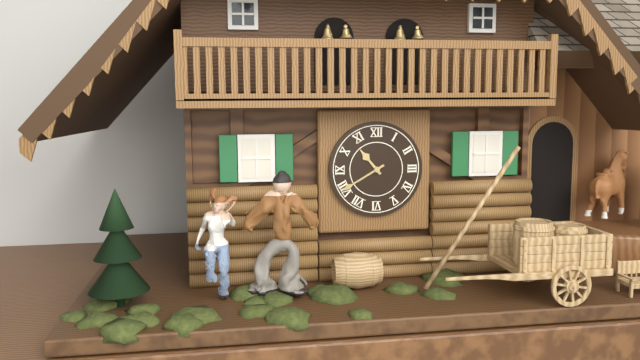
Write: 10 h 40 min
